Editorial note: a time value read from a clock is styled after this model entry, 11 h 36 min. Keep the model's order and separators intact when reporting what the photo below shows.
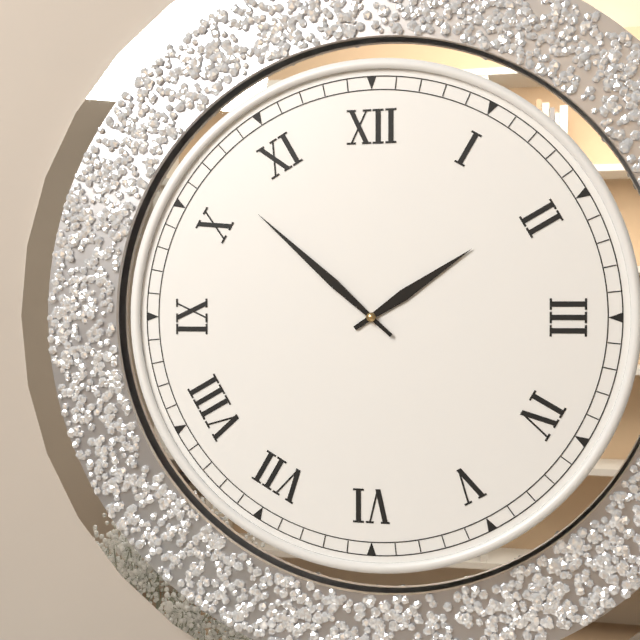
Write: 1 h 52 min
